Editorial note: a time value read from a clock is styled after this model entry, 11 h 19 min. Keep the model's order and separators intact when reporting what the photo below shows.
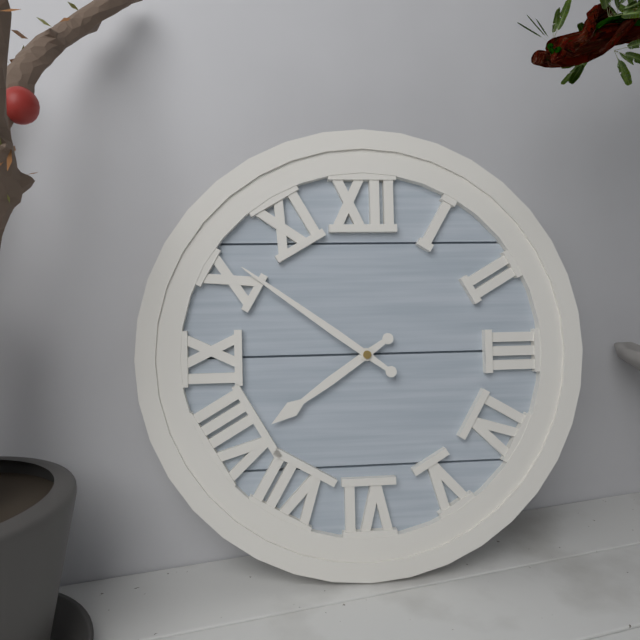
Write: 7 h 51 min
